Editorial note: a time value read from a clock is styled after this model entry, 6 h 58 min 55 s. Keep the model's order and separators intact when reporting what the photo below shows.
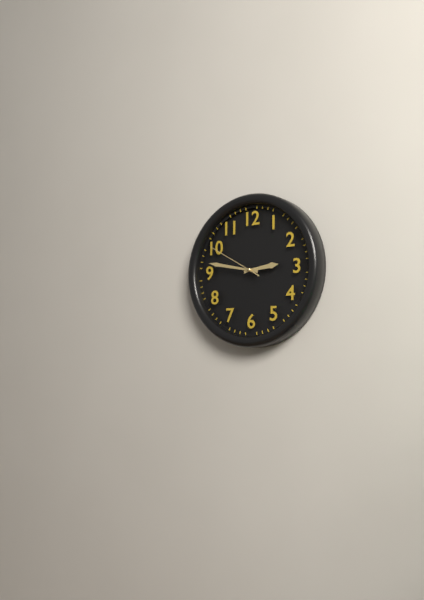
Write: 2 h 47 min 50 s
